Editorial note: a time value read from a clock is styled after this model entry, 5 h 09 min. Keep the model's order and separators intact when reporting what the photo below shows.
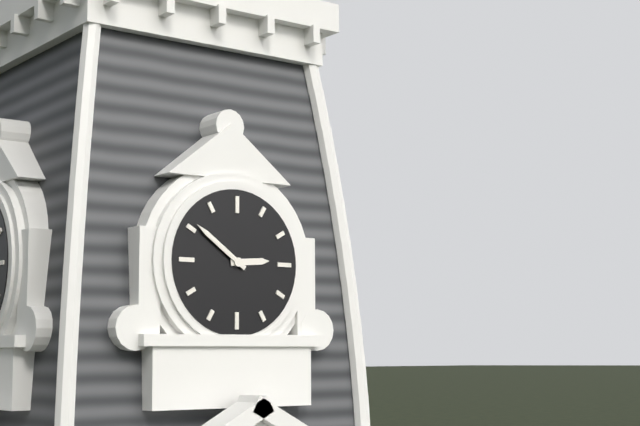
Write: 2 h 51 min
